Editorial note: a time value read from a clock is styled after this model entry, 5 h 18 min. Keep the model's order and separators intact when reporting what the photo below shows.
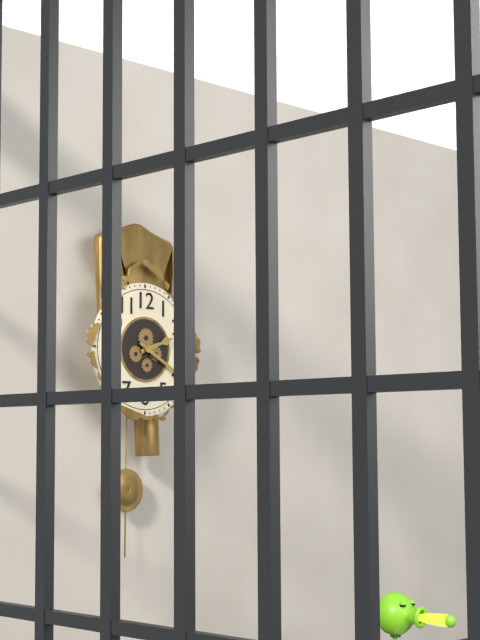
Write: 2 h 20 min
